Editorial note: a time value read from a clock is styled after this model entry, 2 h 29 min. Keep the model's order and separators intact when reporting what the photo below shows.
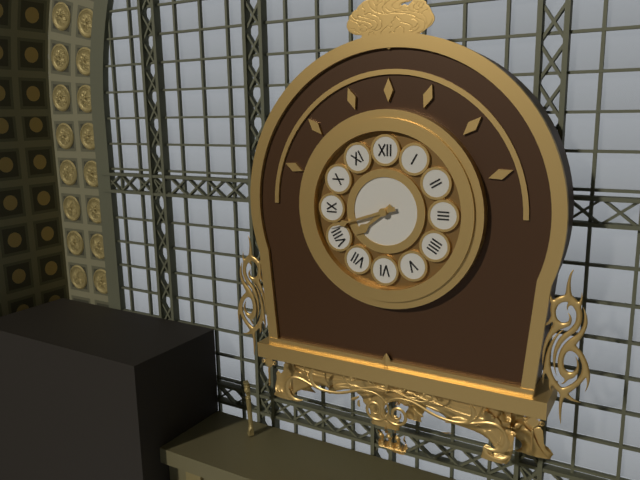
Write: 7 h 42 min
